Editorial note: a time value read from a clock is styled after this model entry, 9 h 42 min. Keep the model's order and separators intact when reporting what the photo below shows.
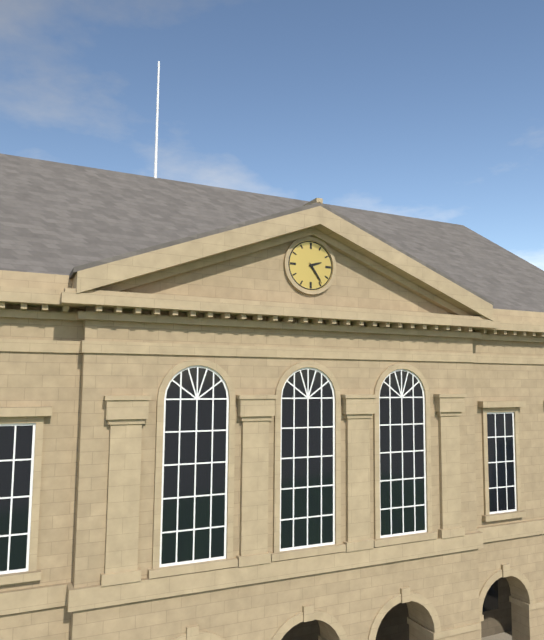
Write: 2 h 24 min
